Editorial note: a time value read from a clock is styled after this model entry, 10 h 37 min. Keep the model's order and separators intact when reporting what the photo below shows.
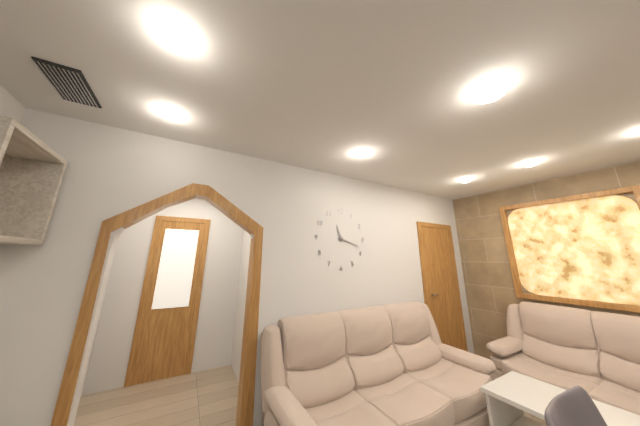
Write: 11 h 18 min
